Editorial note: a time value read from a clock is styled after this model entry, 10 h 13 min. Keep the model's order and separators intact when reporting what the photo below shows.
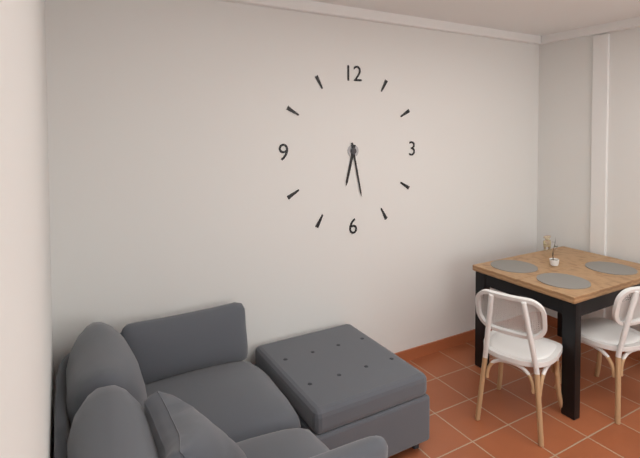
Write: 6 h 28 min
